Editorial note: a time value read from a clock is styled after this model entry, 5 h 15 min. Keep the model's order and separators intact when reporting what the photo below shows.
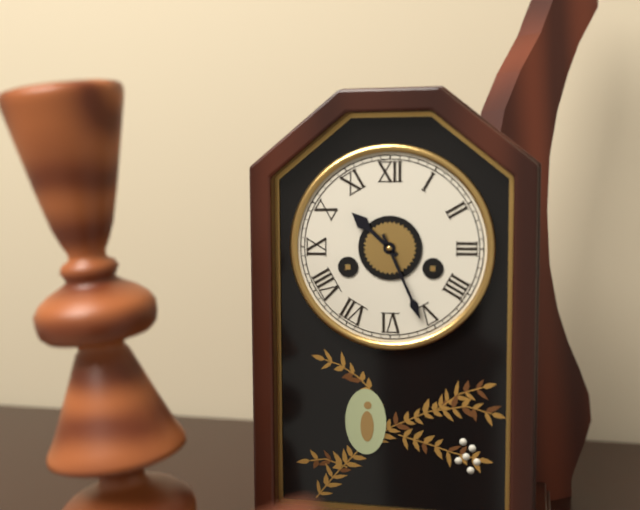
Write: 10 h 26 min
